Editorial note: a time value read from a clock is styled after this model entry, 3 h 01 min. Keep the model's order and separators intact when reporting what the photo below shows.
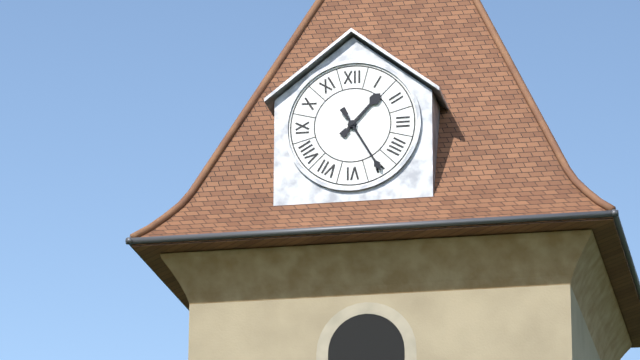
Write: 1 h 25 min
